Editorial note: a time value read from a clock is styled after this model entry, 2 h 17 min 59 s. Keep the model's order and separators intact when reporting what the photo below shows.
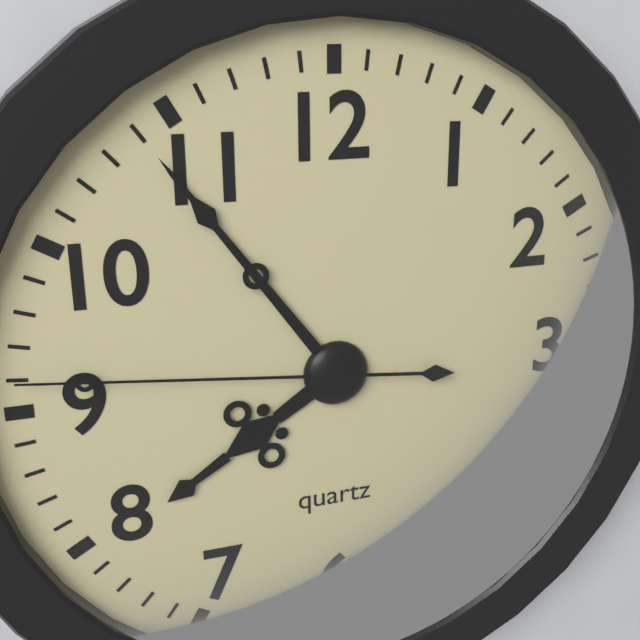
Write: 7 h 54 min 46 s
